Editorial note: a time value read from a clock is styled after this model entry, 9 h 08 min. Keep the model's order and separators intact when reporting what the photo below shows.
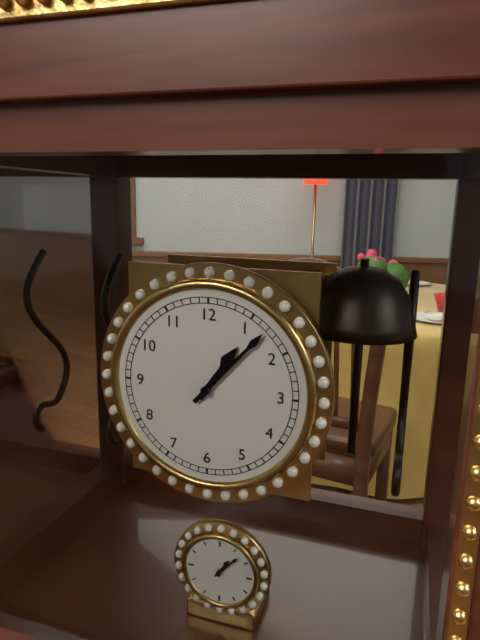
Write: 1 h 07 min
